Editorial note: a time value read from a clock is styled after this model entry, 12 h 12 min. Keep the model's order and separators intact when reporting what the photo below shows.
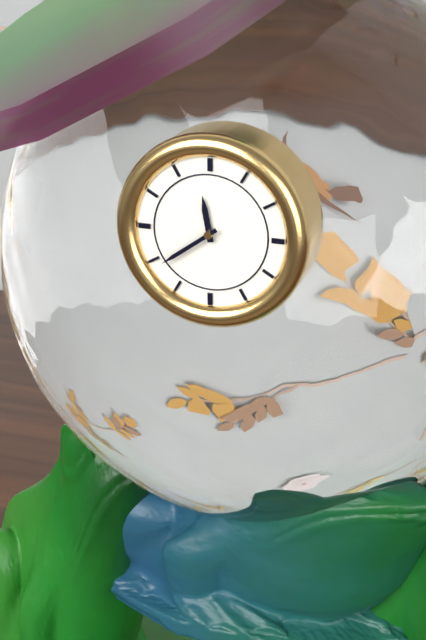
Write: 11 h 39 min
